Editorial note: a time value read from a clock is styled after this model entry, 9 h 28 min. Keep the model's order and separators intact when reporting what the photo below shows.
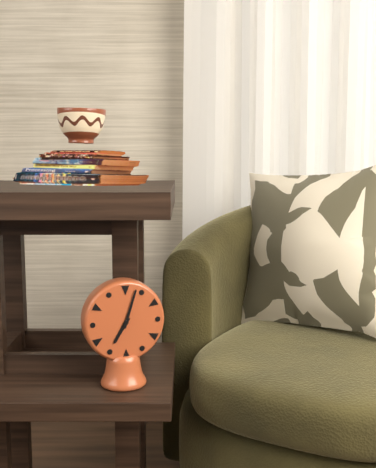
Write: 7 h 03 min
